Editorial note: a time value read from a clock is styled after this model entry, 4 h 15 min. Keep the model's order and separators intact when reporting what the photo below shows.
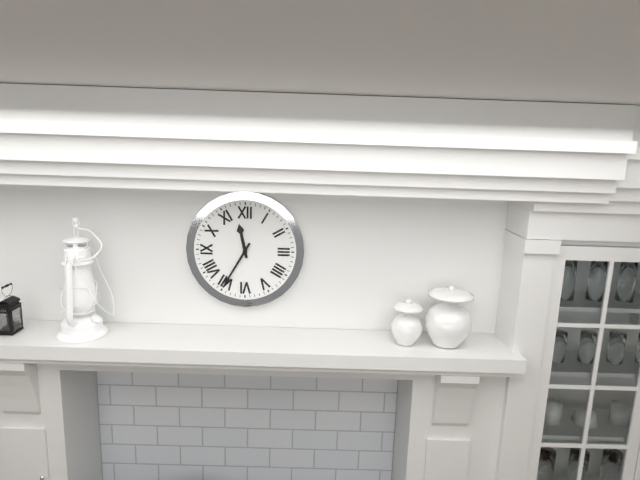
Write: 11 h 35 min
